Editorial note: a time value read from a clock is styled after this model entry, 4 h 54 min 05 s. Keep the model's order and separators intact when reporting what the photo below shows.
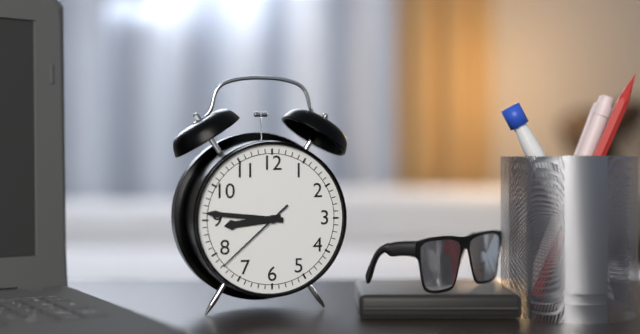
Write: 8 h 46 min 38 s
